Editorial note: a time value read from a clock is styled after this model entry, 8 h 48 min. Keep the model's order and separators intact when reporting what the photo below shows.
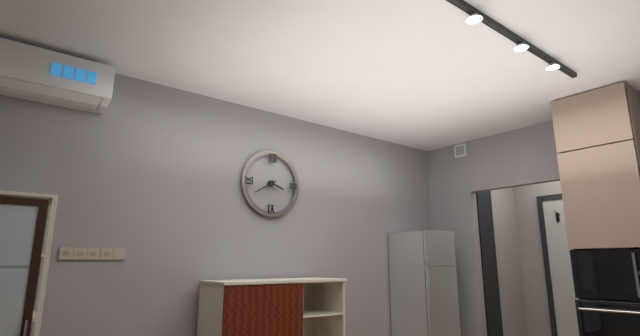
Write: 3 h 40 min
